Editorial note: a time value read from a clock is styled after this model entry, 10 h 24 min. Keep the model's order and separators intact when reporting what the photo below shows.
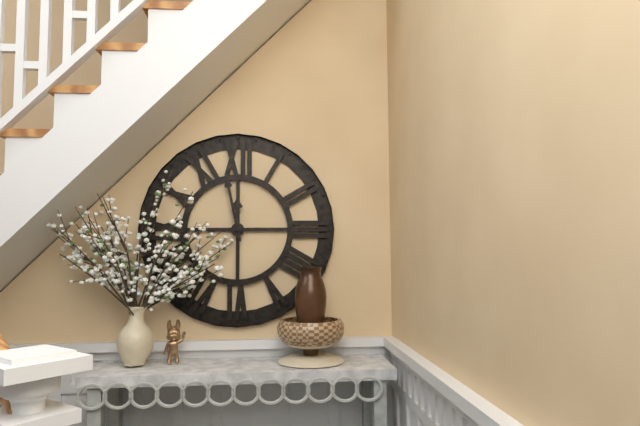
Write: 11 h 58 min
